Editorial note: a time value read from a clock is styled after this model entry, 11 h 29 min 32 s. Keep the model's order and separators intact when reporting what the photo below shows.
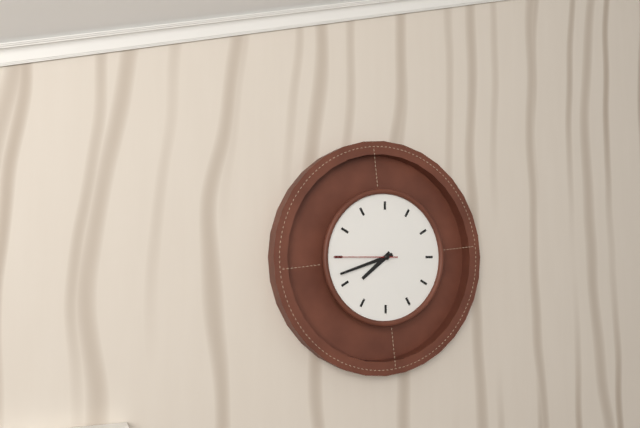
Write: 7 h 42 min 45 s
